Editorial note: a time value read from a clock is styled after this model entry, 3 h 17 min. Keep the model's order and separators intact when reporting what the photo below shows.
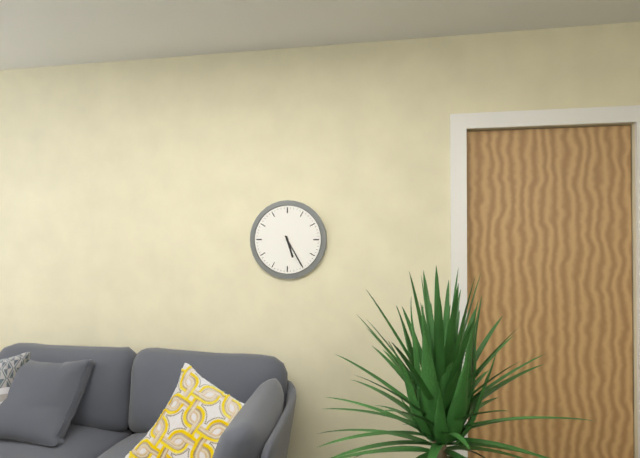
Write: 5 h 25 min
